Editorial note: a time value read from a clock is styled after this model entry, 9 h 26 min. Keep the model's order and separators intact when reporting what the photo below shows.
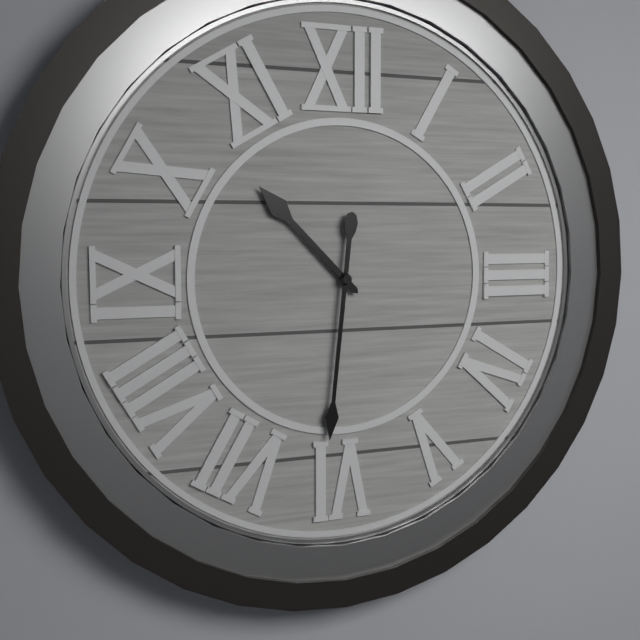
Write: 10 h 31 min
